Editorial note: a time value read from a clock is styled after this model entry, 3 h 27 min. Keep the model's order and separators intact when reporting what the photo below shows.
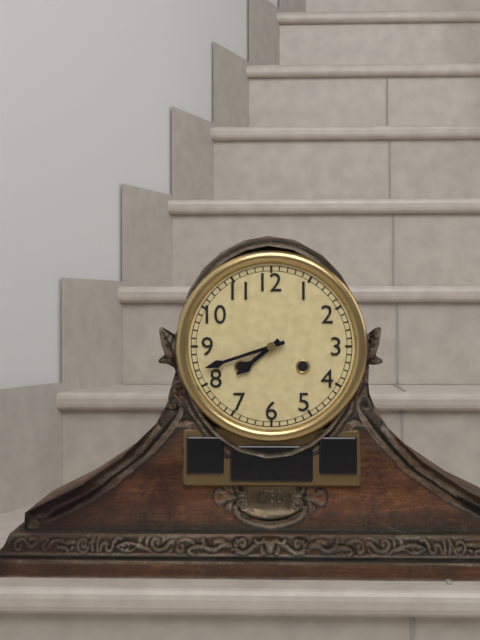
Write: 7 h 42 min
